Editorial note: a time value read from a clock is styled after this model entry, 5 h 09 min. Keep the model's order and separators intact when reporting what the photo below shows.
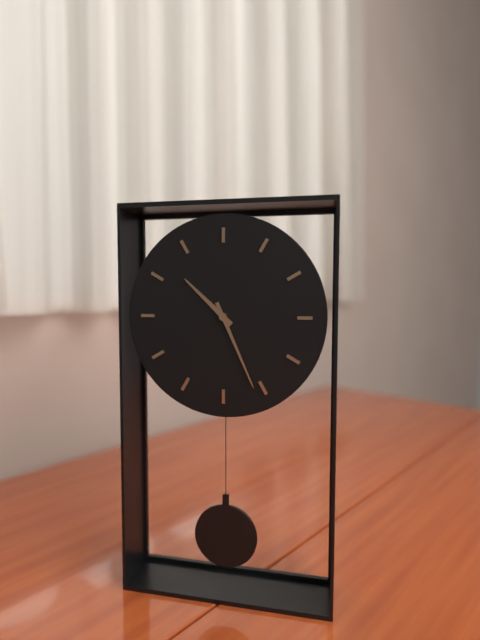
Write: 10 h 26 min
